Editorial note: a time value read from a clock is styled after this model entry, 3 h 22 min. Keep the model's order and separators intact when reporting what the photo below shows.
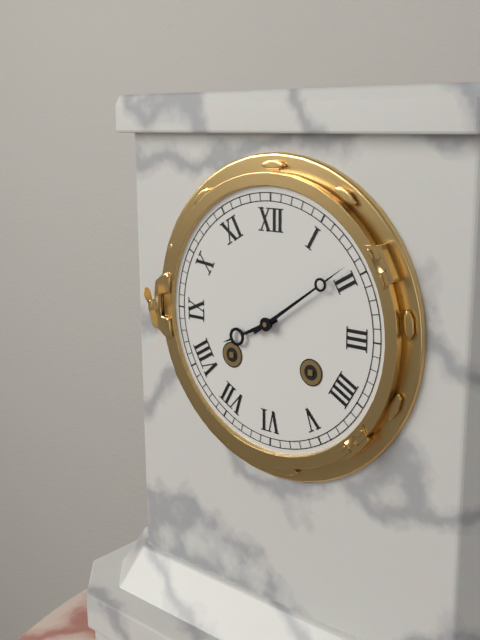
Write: 8 h 09 min
